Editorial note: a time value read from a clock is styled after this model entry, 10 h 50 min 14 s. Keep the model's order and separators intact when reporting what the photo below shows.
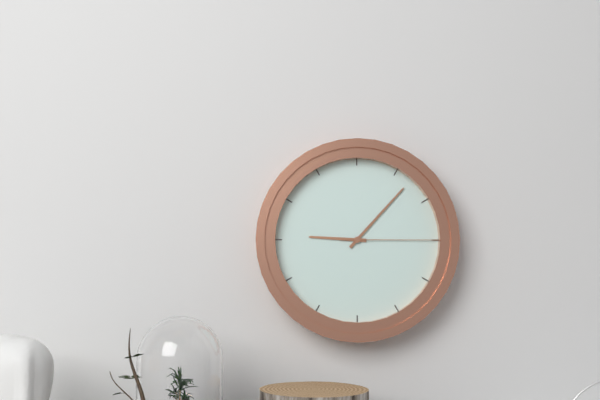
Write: 9 h 07 min 15 s
